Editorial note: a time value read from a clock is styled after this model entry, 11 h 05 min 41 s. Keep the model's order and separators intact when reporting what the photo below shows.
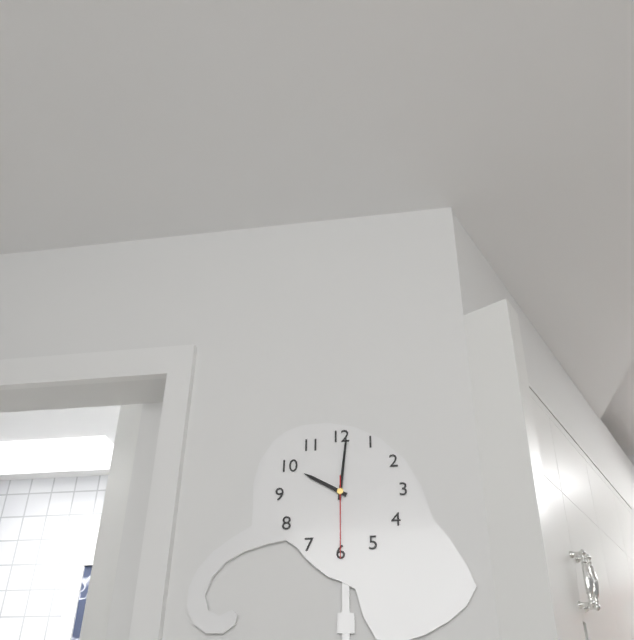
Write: 10 h 01 min 30 s
